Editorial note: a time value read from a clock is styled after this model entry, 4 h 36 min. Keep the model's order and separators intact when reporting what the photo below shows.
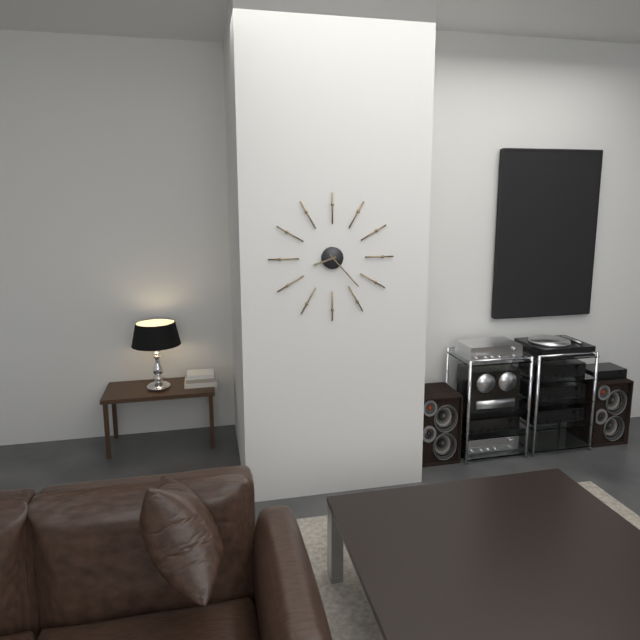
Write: 8 h 23 min
